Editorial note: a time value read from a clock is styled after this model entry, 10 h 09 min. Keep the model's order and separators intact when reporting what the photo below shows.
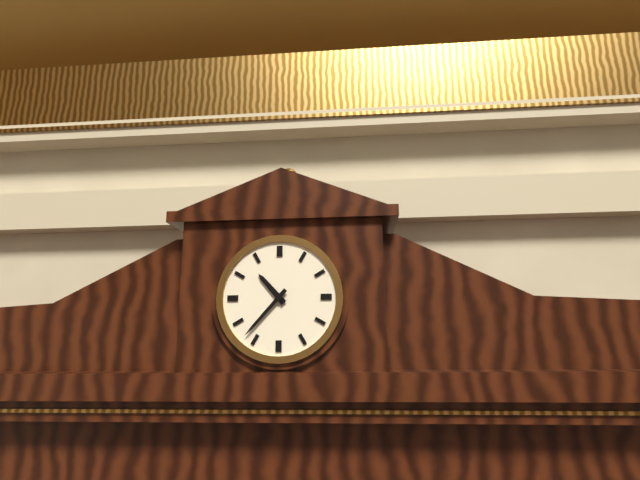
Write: 10 h 37 min
